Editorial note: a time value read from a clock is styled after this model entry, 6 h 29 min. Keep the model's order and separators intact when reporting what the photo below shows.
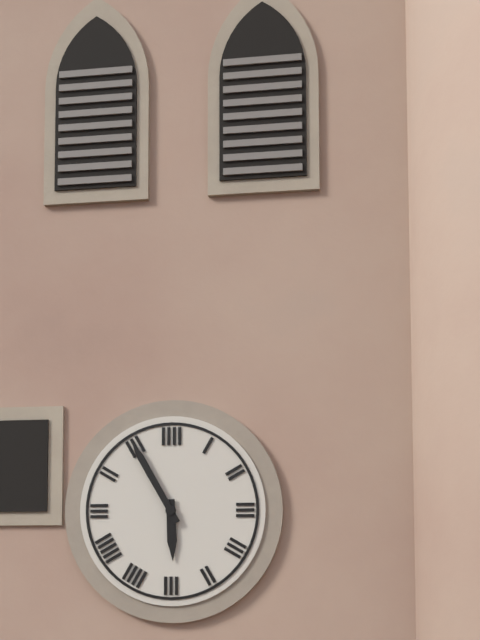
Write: 5 h 55 min
